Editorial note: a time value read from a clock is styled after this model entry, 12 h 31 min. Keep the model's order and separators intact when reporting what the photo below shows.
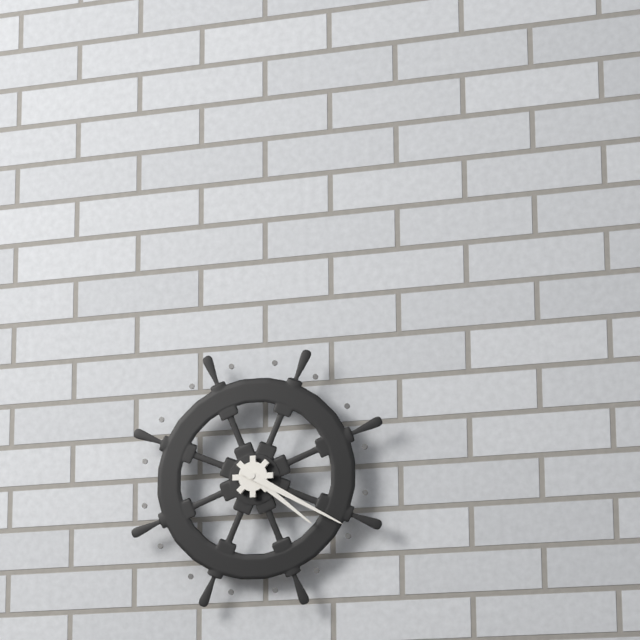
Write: 4 h 20 min
